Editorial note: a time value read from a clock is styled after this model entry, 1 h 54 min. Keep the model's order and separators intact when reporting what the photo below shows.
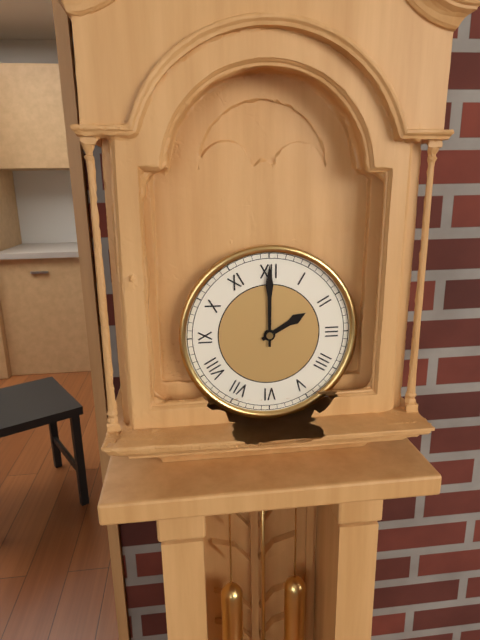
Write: 2 h 00 min
